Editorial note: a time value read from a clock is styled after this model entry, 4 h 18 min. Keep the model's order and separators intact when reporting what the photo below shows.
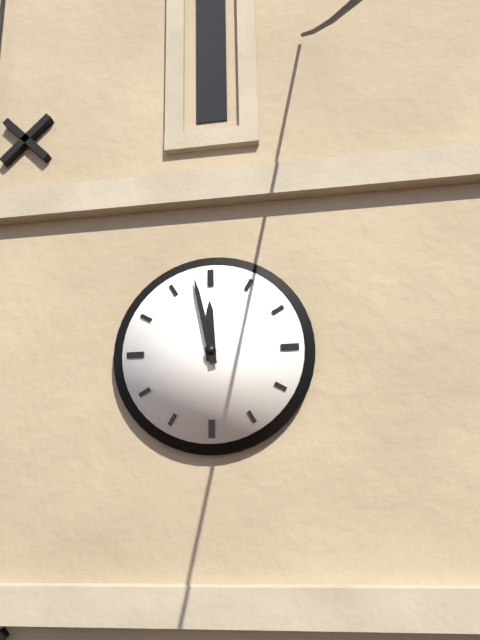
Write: 11 h 58 min
